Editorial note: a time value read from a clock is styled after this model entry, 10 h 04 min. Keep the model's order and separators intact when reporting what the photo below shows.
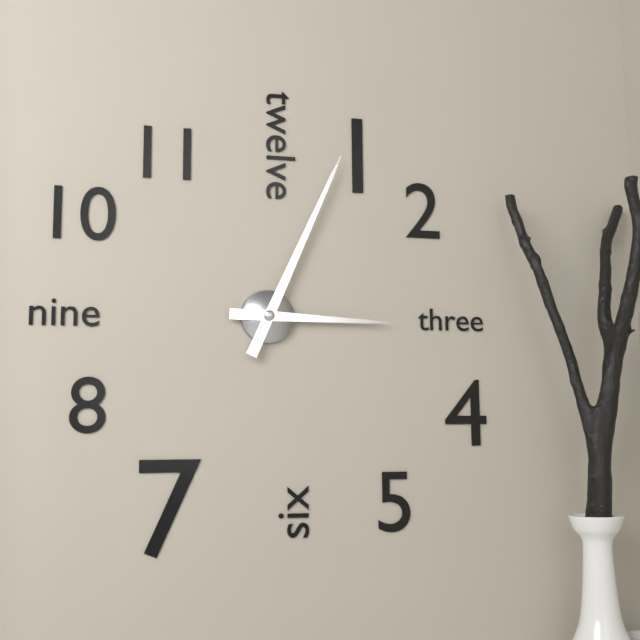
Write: 3 h 04 min
